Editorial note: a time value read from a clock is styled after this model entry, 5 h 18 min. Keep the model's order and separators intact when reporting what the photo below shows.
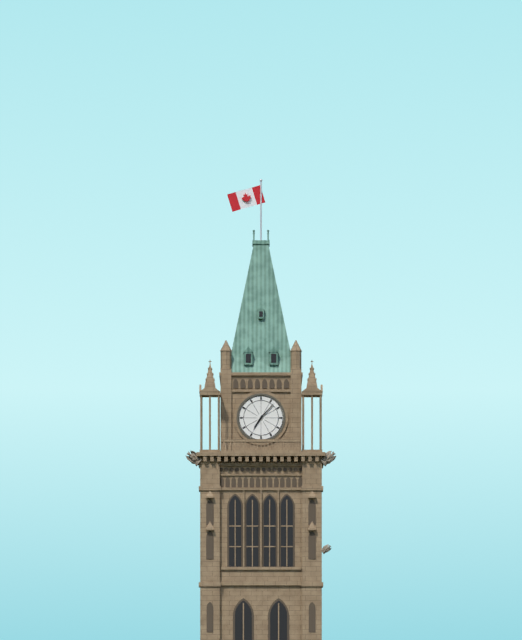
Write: 7 h 07 min
